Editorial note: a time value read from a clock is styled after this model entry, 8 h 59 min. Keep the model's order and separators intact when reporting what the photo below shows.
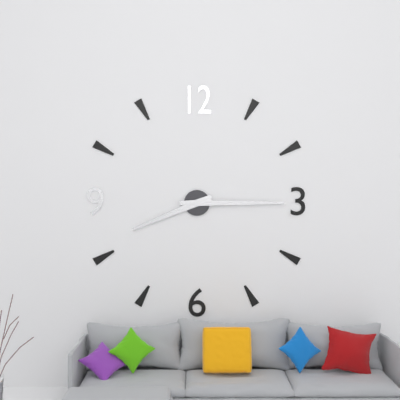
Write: 8 h 15 min
